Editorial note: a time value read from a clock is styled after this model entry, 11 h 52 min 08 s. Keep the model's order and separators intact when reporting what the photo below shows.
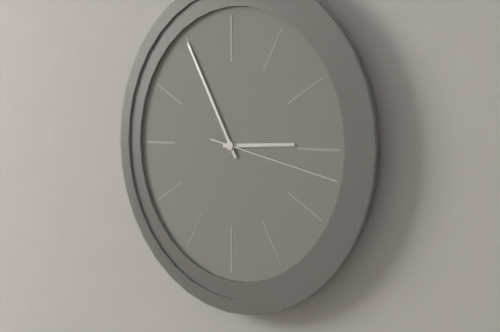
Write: 2 h 55 min 17 s
